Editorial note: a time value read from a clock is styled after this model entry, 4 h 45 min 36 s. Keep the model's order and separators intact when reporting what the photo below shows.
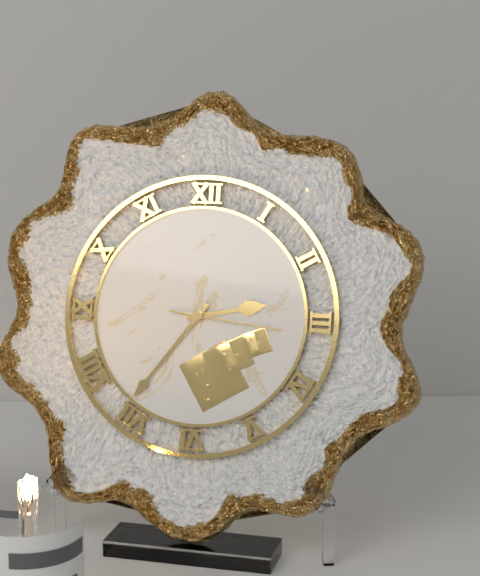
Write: 2 h 36 min 16 s
